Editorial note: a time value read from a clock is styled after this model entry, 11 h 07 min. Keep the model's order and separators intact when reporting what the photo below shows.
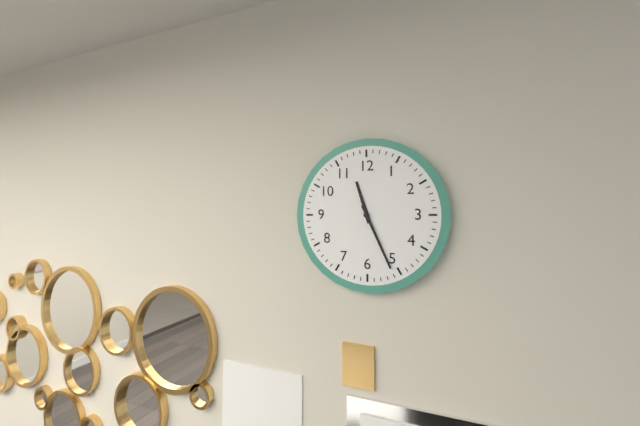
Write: 11 h 26 min
